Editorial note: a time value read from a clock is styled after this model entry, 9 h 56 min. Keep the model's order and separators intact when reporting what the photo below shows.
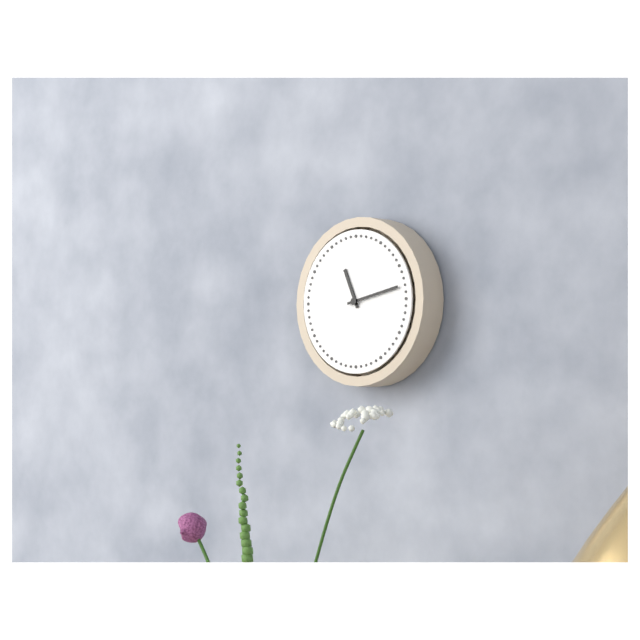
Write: 11 h 13 min
